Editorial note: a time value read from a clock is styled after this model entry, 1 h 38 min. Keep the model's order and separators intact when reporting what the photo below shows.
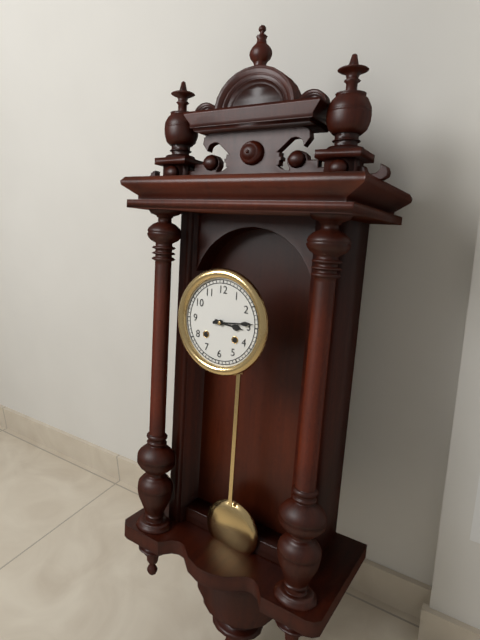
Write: 3 h 14 min
